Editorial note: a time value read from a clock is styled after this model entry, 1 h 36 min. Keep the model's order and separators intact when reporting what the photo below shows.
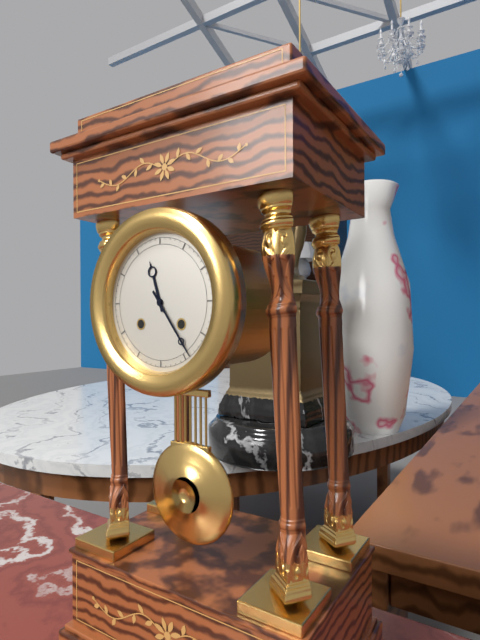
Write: 11 h 24 min
